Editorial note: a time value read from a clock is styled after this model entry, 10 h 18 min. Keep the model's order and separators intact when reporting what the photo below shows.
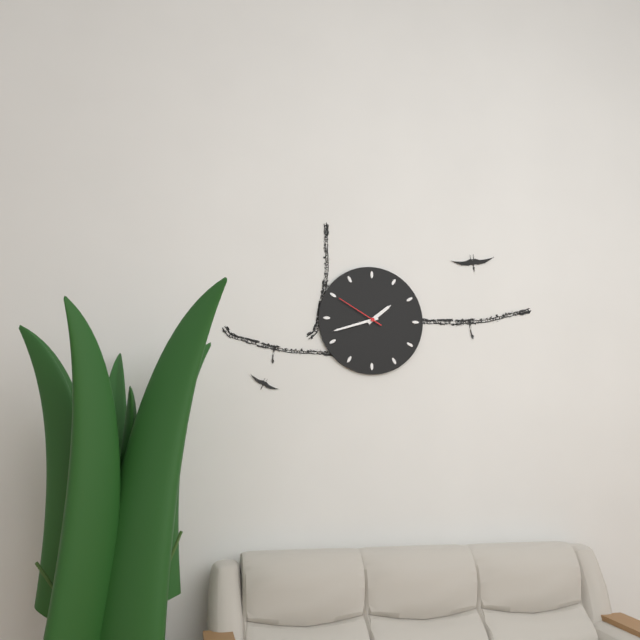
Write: 1 h 42 min
